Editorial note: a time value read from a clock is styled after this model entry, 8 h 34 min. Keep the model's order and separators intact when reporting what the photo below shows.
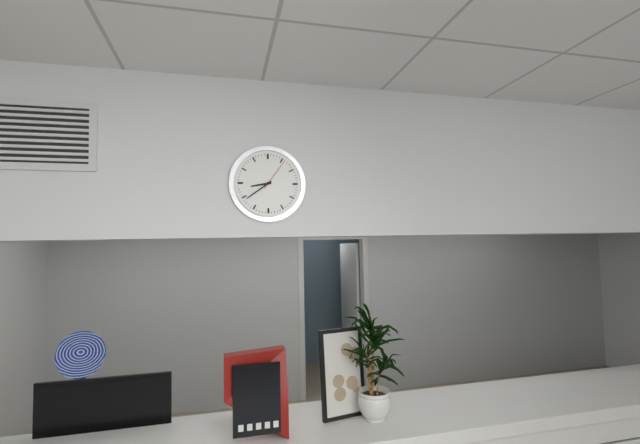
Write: 8 h 39 min
